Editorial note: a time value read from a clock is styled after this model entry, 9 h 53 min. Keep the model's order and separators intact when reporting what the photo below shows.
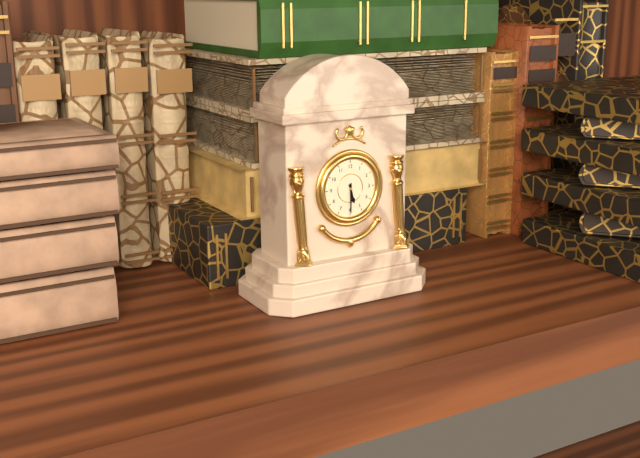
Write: 5 h 30 min
